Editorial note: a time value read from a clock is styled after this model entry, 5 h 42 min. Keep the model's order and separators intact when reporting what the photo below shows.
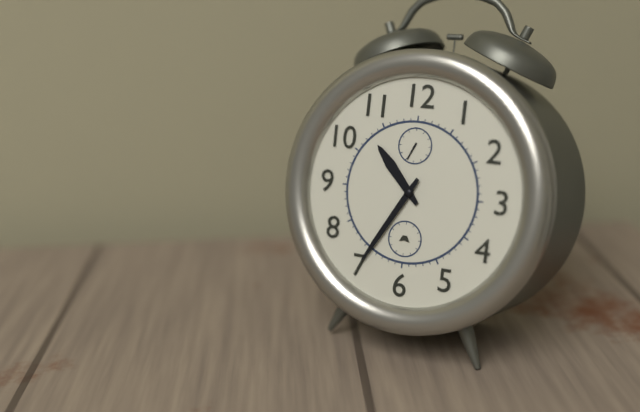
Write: 10 h 35 min
